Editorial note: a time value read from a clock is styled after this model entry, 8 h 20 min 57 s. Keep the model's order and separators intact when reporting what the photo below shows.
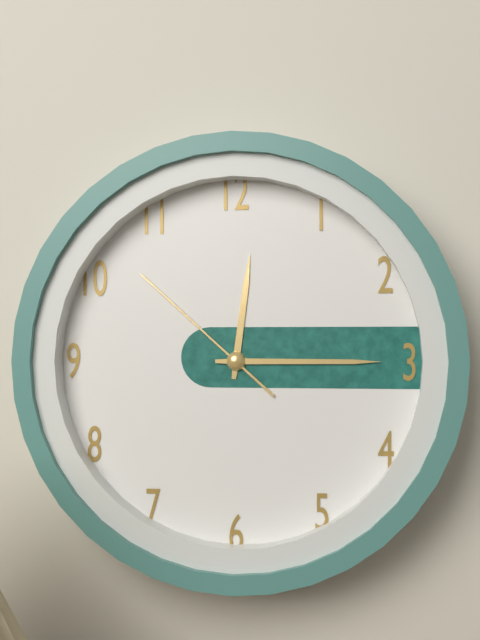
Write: 12 h 15 min 52 s
